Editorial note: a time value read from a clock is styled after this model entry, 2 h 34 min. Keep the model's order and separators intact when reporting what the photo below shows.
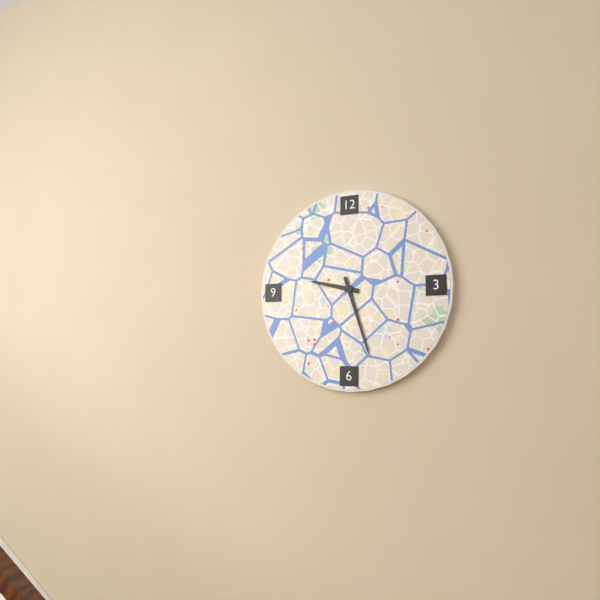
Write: 9 h 27 min
